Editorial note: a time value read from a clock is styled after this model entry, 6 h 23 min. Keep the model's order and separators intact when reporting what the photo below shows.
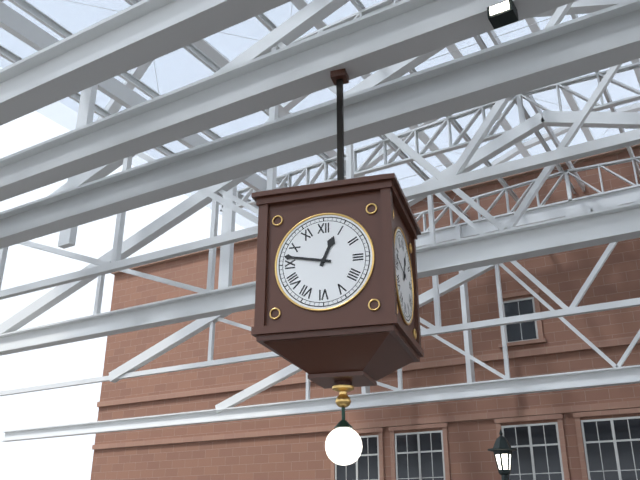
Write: 12 h 47 min
